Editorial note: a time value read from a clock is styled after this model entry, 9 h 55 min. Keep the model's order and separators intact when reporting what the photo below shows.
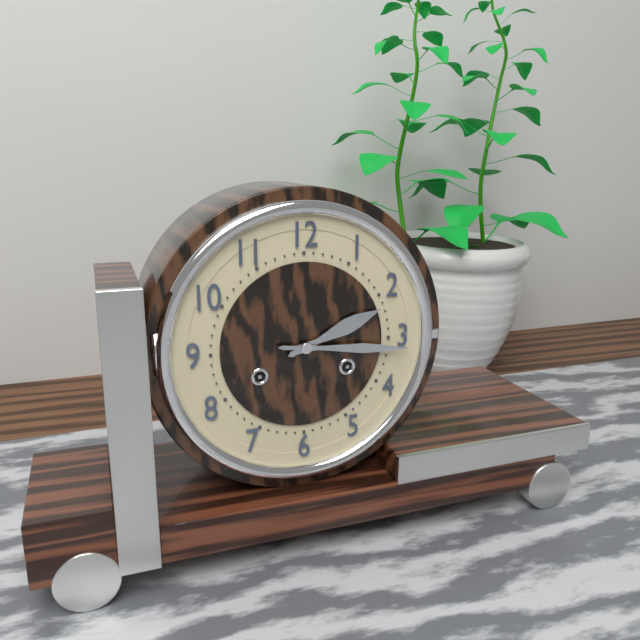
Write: 2 h 16 min
